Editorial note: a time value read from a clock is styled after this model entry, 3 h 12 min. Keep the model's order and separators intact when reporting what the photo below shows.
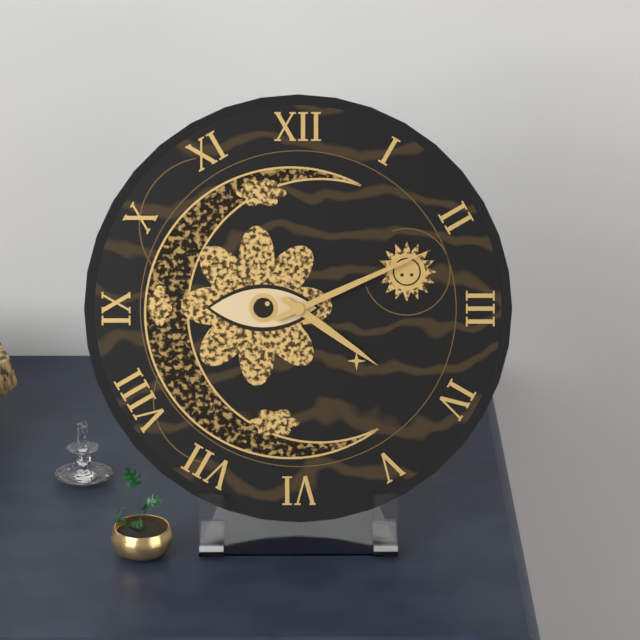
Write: 4 h 11 min
